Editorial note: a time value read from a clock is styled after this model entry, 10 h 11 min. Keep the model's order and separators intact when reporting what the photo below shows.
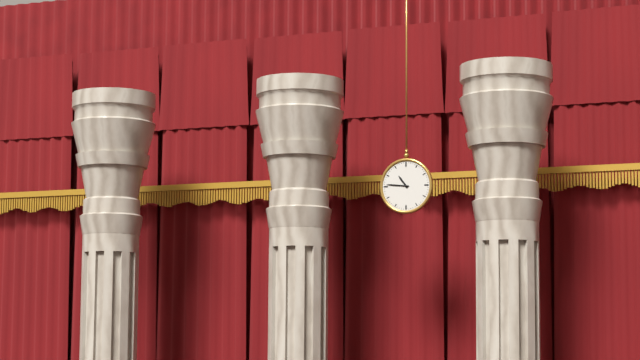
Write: 10 h 46 min
